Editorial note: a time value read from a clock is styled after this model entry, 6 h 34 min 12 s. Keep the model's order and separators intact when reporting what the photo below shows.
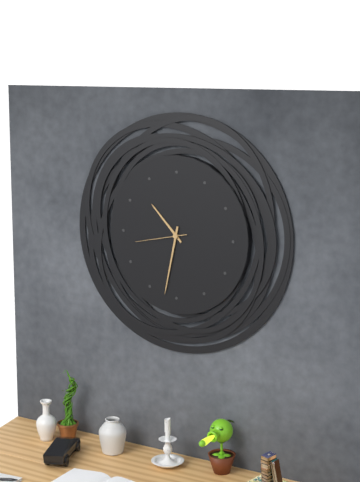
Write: 10 h 32 min 43 s
